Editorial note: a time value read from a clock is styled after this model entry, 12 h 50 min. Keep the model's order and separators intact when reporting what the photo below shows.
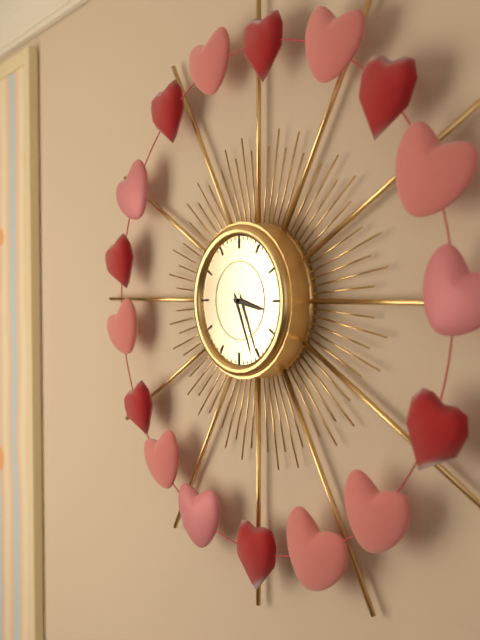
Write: 3 h 26 min
